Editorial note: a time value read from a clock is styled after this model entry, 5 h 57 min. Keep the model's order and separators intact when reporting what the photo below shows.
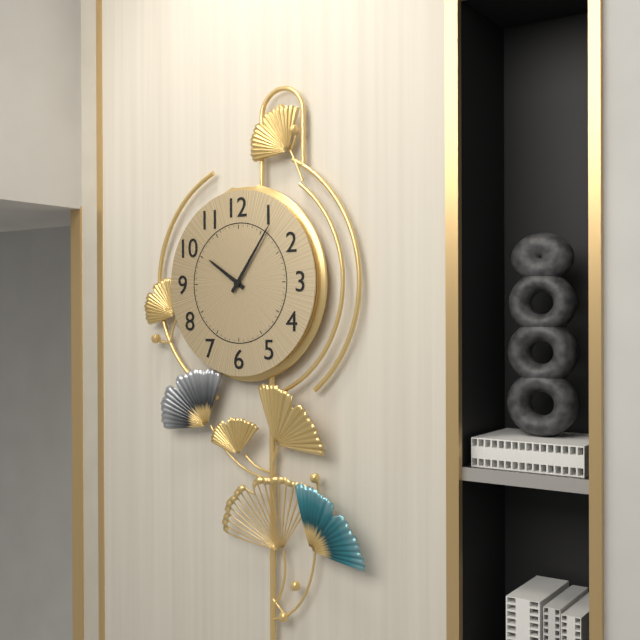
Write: 10 h 06 min
